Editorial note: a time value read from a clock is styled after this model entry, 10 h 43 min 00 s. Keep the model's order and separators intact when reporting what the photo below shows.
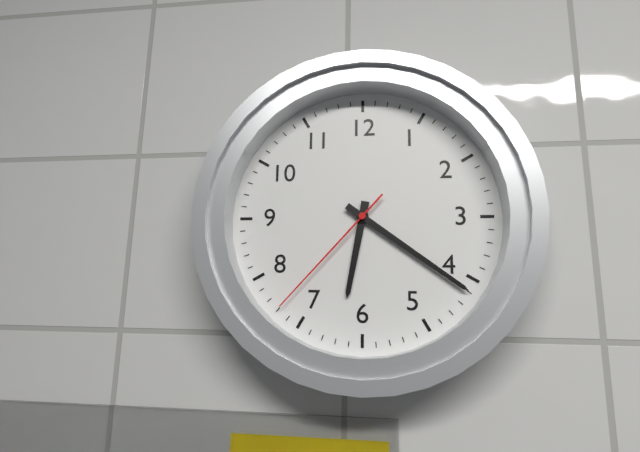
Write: 6 h 21 min 37 s
